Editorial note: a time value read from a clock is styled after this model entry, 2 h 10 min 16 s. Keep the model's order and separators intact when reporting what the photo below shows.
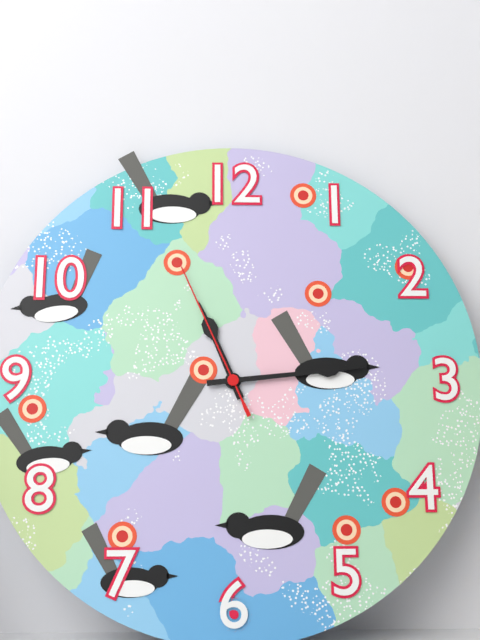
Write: 11 h 14 min 56 s
